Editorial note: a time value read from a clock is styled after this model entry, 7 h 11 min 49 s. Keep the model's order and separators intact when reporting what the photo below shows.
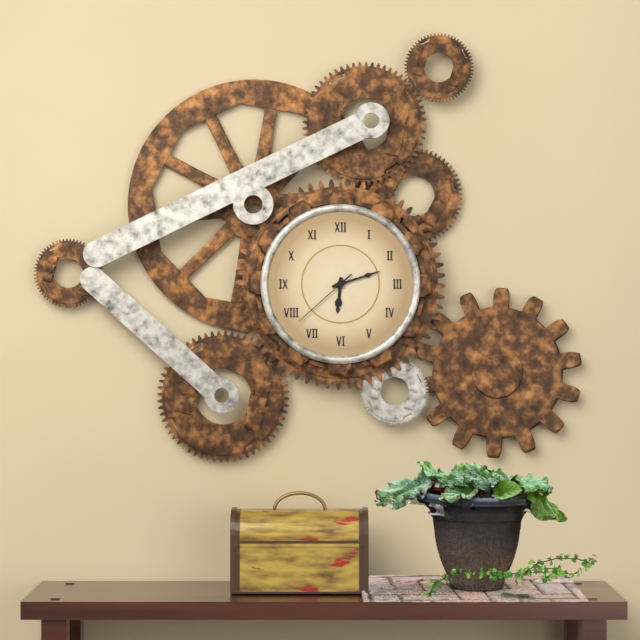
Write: 6 h 12 min 38 s
